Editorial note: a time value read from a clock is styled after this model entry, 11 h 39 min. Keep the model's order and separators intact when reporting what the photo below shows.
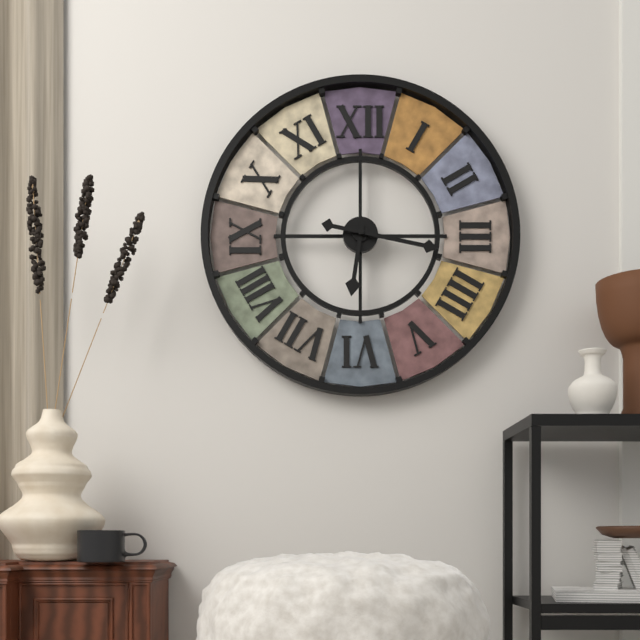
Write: 6 h 17 min
